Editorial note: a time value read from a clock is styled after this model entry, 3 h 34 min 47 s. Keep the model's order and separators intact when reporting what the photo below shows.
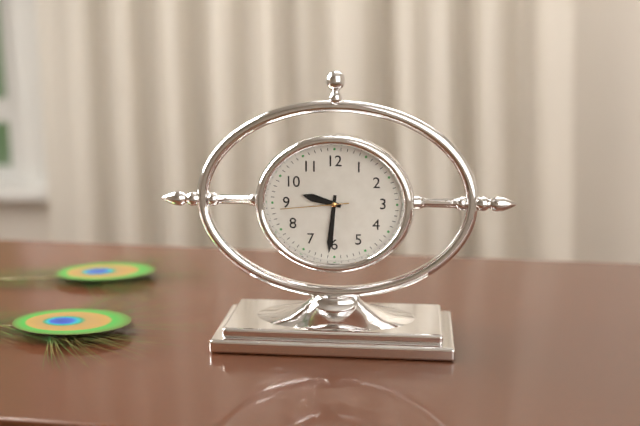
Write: 9 h 31 min 44 s
